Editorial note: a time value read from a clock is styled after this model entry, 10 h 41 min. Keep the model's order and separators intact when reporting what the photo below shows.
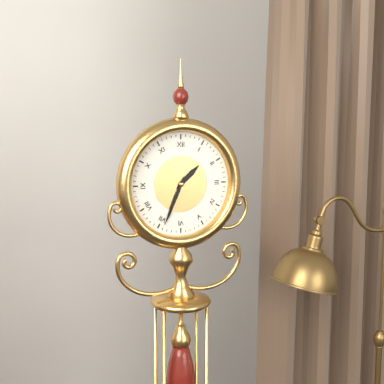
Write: 1 h 34 min
